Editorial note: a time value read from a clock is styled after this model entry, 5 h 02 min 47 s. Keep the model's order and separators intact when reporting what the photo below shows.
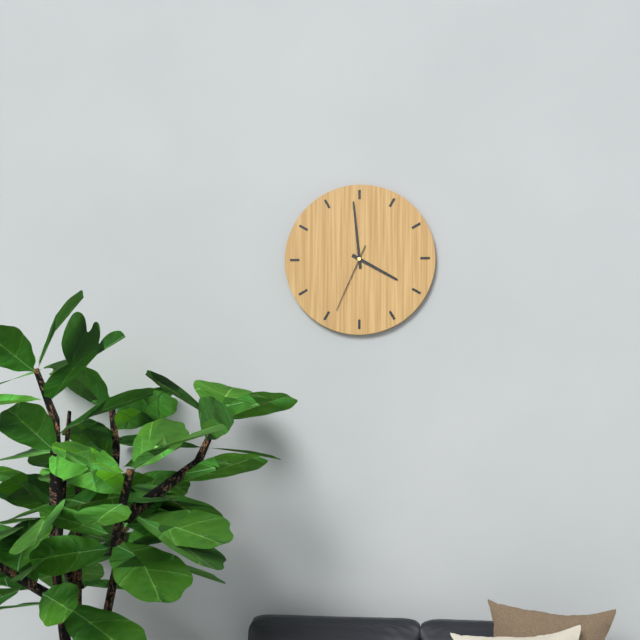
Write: 3 h 59 min 34 s
